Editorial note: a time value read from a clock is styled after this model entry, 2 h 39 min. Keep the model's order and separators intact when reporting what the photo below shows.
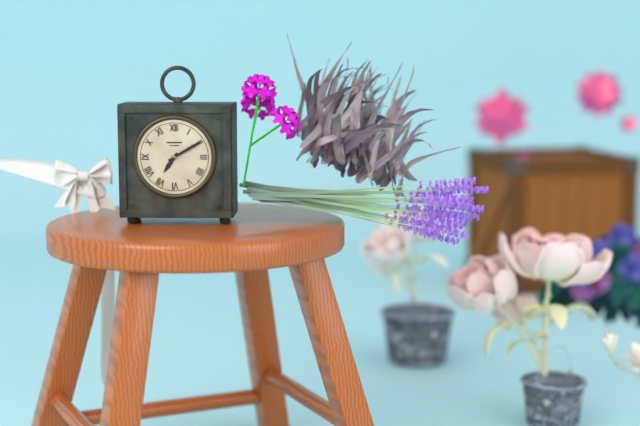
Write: 7 h 10 min
